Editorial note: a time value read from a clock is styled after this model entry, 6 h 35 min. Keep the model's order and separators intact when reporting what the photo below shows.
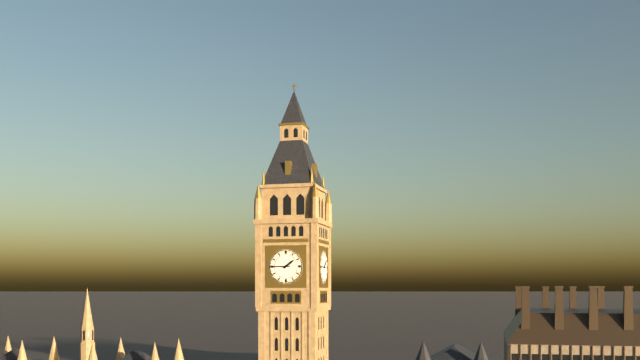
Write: 1 h 45 min
